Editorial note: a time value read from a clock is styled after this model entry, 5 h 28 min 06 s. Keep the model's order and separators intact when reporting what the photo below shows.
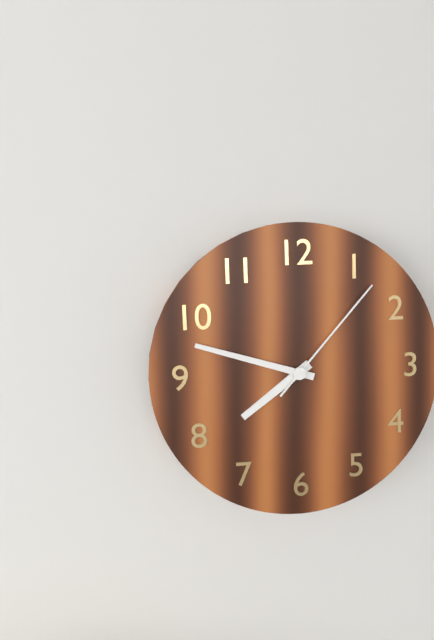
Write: 7 h 48 min 07 s
